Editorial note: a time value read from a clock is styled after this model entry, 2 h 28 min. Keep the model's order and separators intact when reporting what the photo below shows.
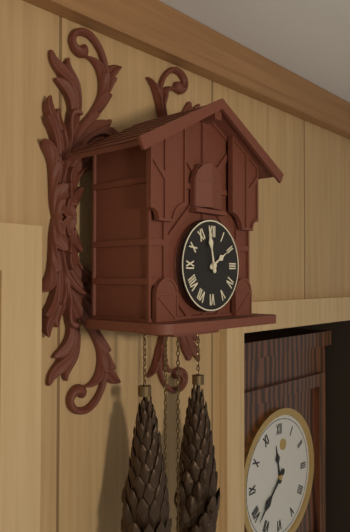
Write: 1 h 58 min
